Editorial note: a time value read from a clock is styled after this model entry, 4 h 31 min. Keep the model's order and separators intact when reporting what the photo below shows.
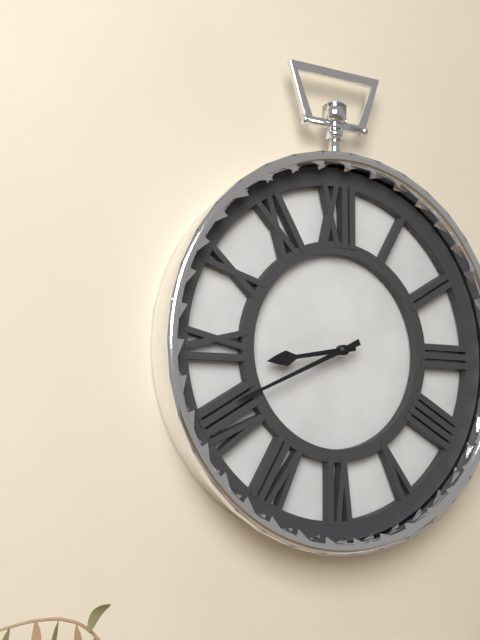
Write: 8 h 41 min
